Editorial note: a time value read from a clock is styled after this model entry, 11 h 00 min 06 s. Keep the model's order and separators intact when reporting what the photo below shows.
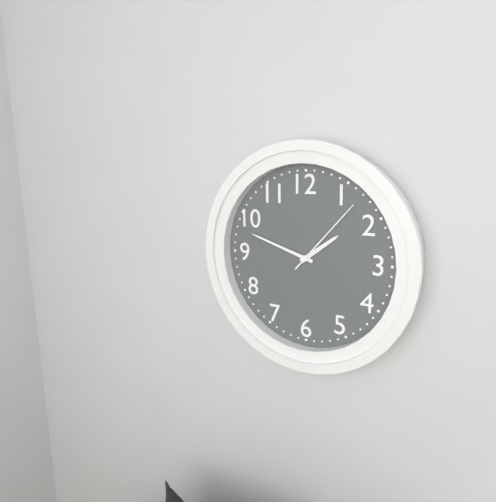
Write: 1 h 48 min 07 s
